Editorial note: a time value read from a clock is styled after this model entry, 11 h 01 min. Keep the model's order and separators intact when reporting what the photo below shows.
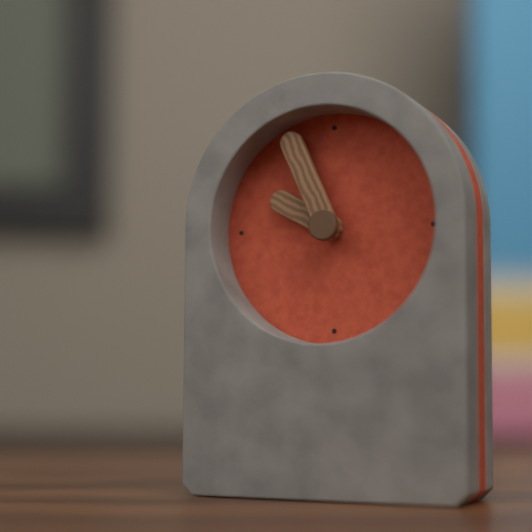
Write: 9 h 56 min
